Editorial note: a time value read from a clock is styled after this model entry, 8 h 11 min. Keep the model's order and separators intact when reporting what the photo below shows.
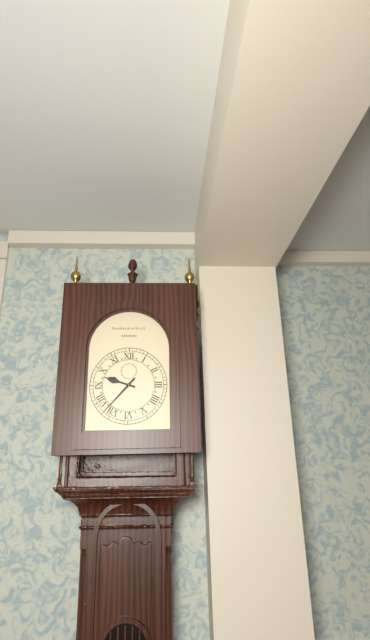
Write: 9 h 37 min
